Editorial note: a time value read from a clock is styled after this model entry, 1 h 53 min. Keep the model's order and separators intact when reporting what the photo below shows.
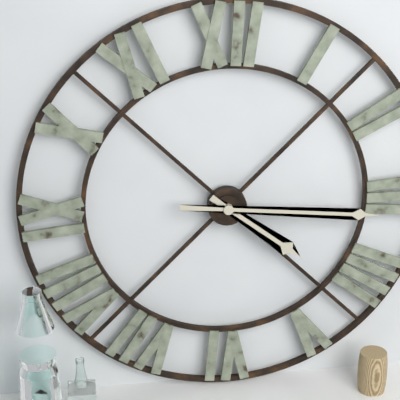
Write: 4 h 16 min
